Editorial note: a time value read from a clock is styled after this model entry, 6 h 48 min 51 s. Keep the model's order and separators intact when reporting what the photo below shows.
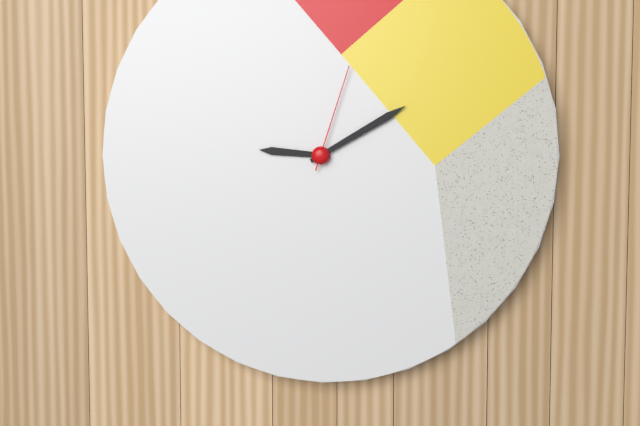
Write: 9 h 10 min 03 s
